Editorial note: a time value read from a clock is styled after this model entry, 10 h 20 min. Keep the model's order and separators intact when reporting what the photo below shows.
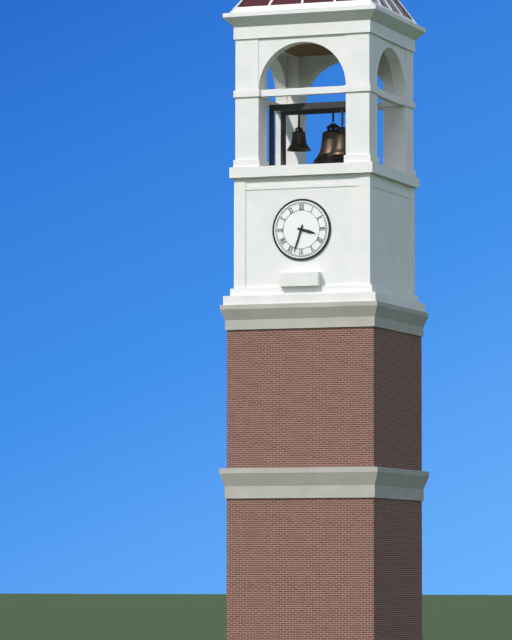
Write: 3 h 33 min
